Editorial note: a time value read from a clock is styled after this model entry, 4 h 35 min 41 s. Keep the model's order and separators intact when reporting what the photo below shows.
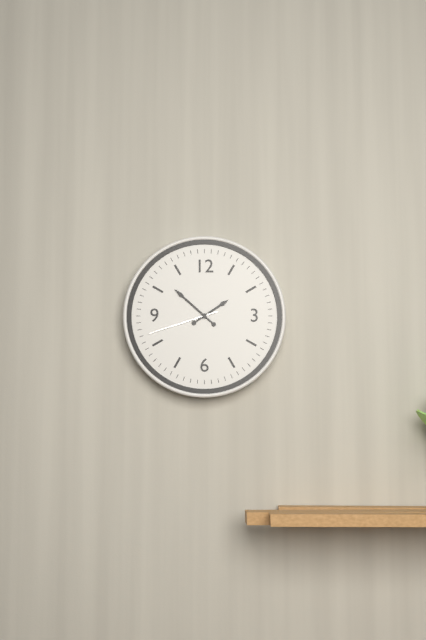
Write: 1 h 52 min 42 s
